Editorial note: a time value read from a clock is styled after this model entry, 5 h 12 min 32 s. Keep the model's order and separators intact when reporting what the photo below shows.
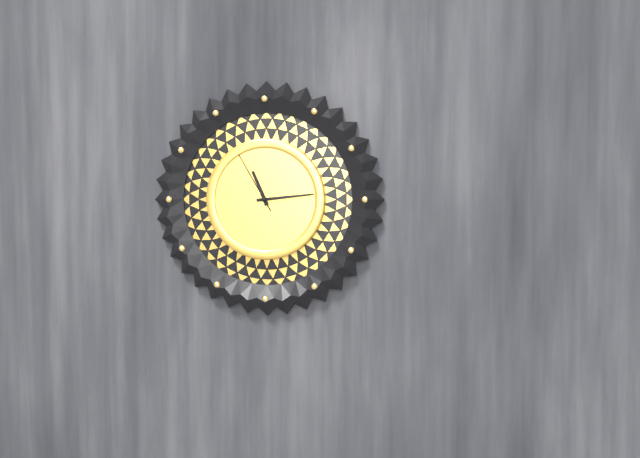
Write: 11 h 14 min 55 s
